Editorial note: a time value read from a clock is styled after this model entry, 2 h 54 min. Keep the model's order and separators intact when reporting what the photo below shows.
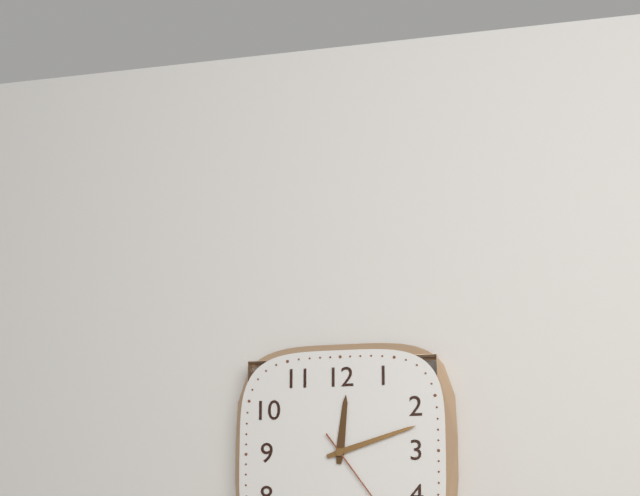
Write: 12 h 12 min
